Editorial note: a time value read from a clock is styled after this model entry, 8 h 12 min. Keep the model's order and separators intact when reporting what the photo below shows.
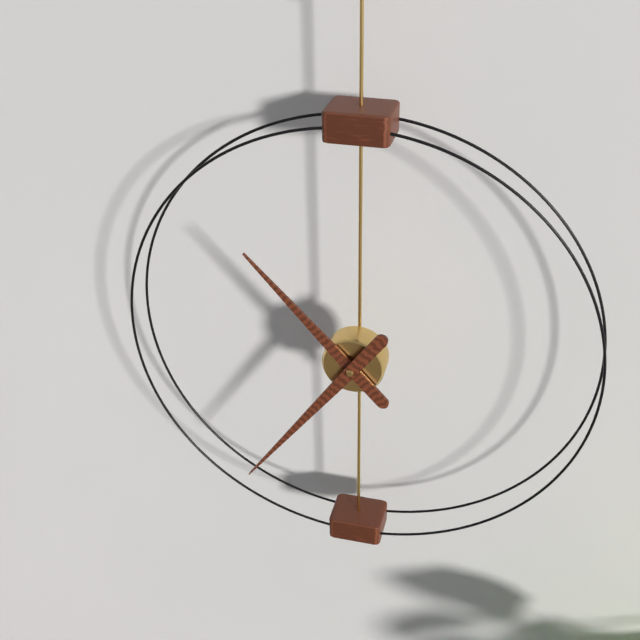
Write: 10 h 36 min
